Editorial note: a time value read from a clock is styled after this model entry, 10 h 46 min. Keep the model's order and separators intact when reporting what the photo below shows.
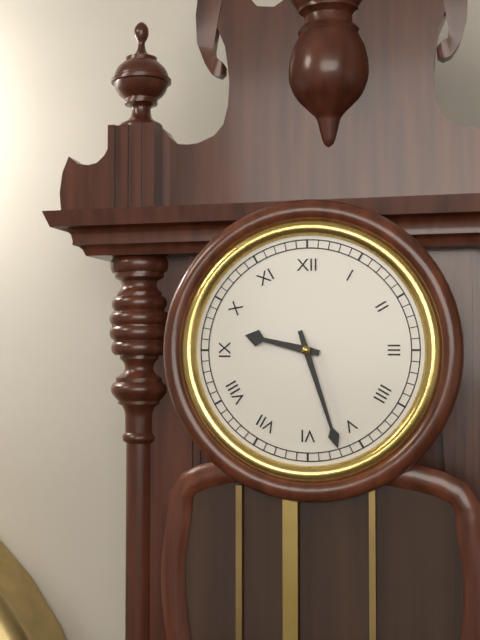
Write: 9 h 27 min
